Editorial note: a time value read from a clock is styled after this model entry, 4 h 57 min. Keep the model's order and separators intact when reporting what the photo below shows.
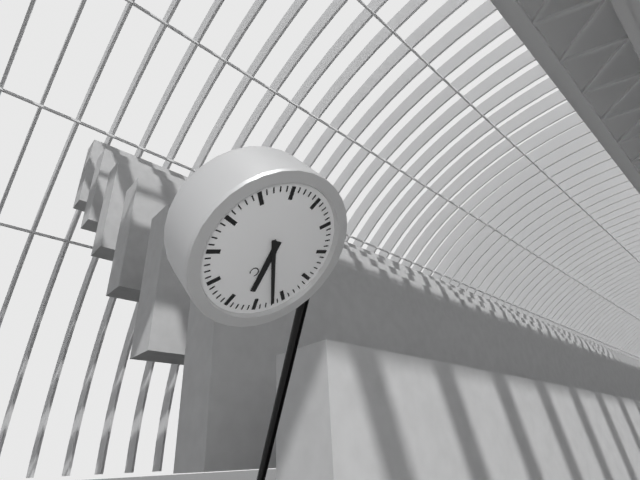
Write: 5 h 22 min
